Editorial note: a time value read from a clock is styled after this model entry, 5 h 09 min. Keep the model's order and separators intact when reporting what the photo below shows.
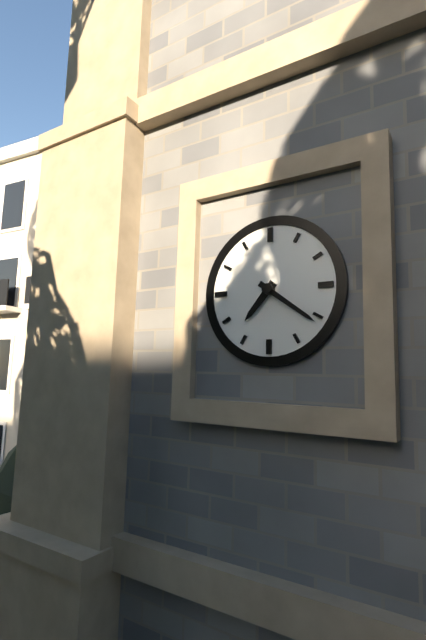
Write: 7 h 21 min
